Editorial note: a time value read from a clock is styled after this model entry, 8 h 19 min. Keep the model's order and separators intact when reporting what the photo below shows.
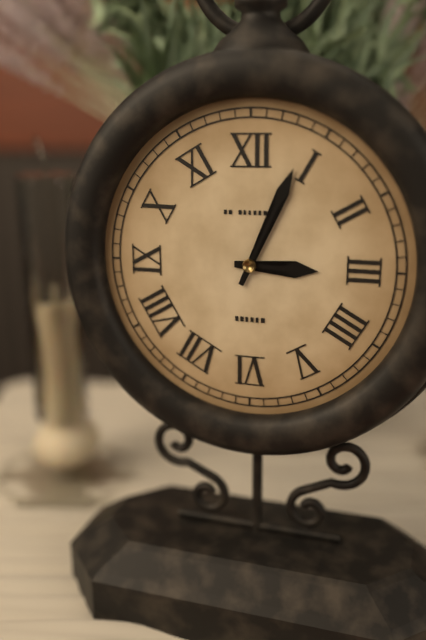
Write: 3 h 04 min
